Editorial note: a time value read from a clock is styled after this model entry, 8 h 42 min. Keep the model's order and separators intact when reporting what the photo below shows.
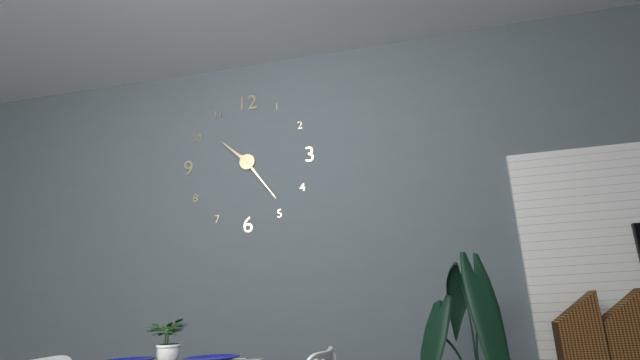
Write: 10 h 24 min
